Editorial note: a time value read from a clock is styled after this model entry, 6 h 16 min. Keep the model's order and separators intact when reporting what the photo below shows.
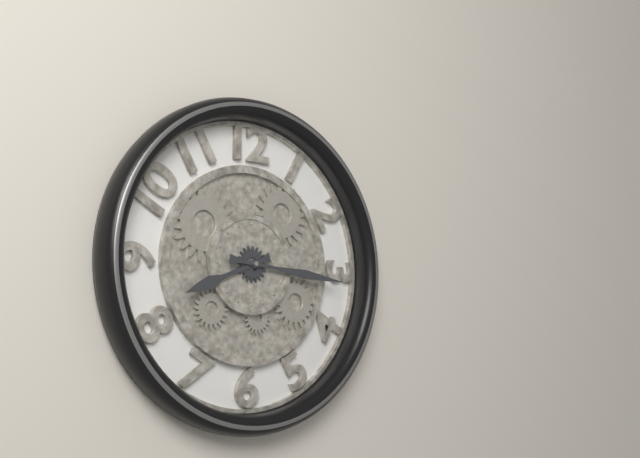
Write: 8 h 16 min
